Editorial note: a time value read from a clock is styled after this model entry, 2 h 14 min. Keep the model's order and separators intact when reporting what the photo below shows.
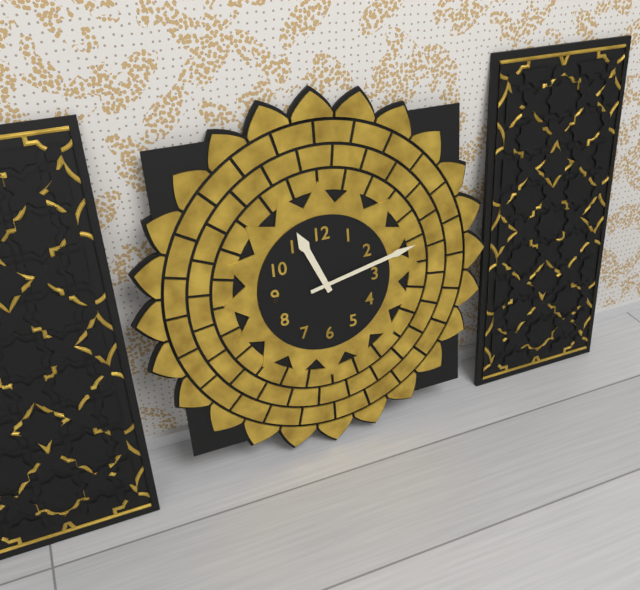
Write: 11 h 13 min
